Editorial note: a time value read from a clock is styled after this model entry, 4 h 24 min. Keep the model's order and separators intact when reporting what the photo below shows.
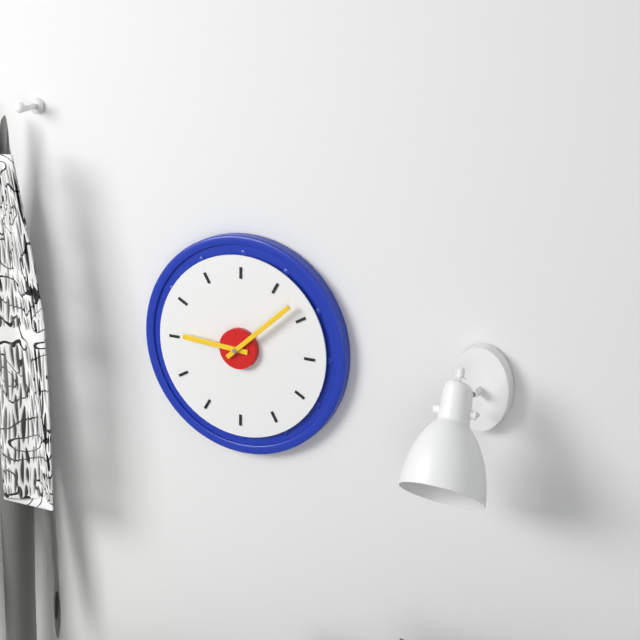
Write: 9 h 08 min
